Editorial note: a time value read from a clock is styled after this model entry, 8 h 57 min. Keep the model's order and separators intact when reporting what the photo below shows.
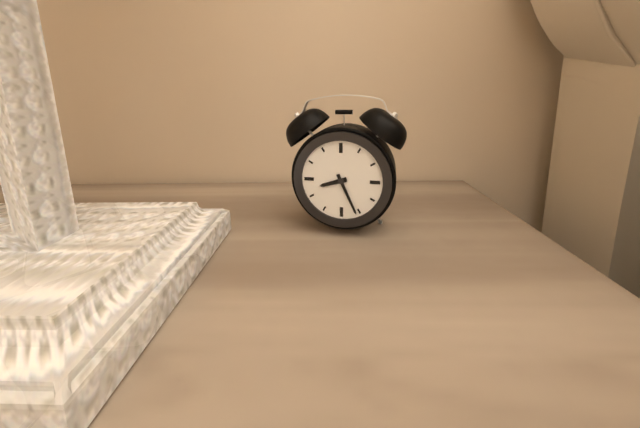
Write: 8 h 26 min
